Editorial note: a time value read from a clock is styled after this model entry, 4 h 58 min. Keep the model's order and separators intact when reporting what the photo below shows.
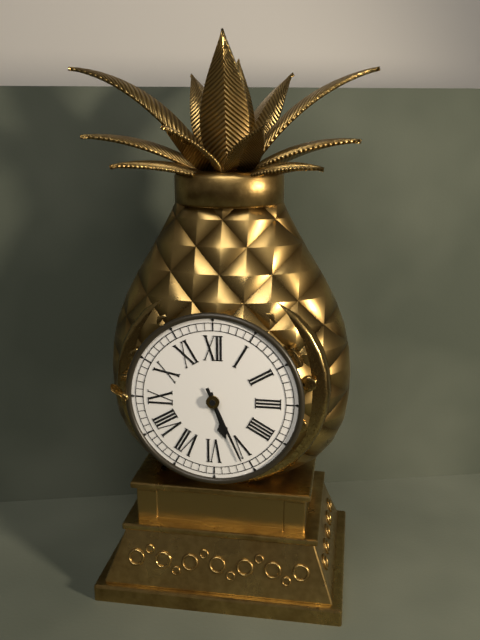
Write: 5 h 26 min
